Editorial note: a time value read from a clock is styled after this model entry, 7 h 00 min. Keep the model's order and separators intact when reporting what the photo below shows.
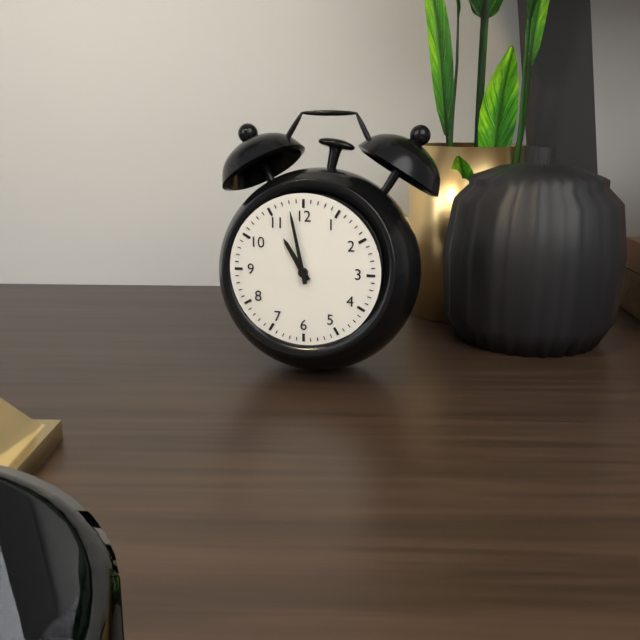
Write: 10 h 58 min
